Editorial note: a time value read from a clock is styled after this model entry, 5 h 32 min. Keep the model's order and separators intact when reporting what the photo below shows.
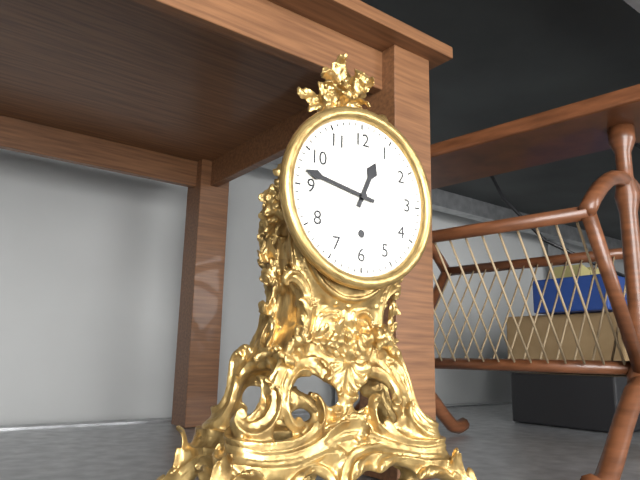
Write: 12 h 47 min
